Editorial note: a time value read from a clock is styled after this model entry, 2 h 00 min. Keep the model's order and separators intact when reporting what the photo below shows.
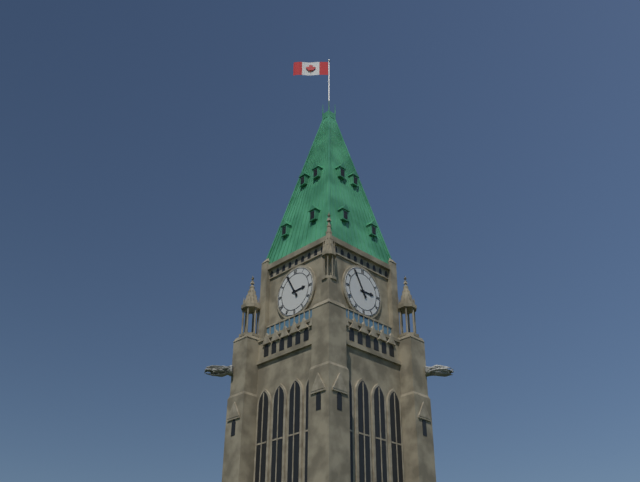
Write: 2 h 55 min
